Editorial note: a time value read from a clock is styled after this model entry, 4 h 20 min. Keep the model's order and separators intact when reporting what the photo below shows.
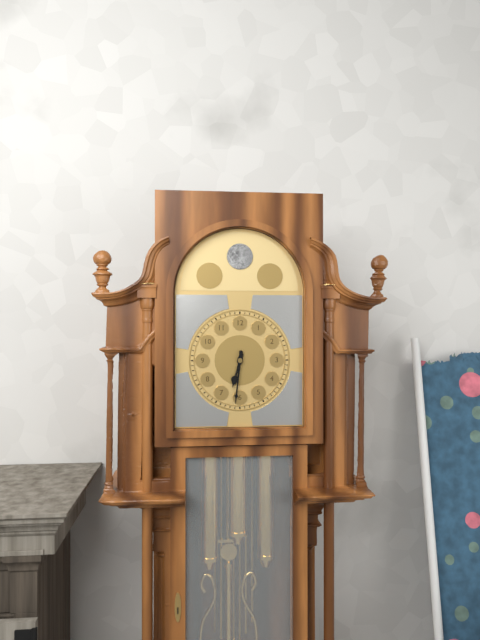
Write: 6 h 31 min
